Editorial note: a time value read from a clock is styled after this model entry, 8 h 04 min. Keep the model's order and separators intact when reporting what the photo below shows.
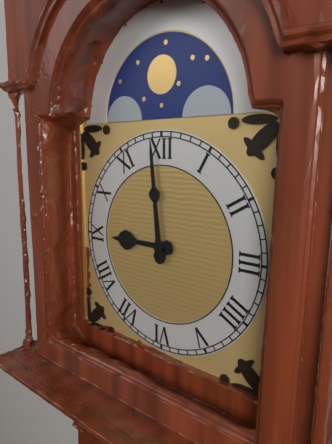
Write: 8 h 59 min
